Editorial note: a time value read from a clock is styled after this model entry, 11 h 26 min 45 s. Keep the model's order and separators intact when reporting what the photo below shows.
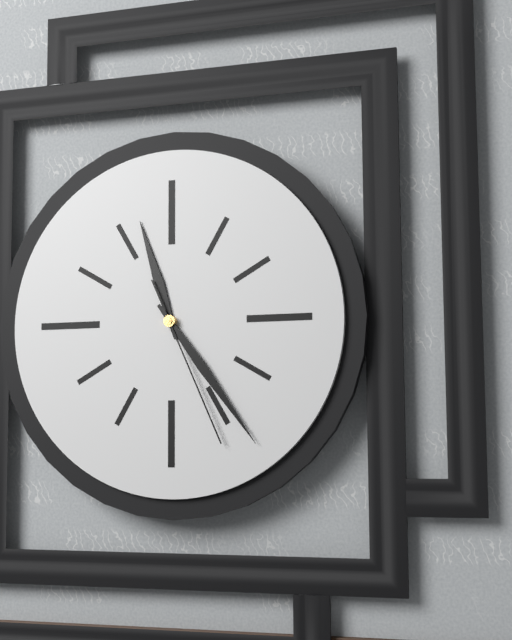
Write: 11 h 24 min 26 s
